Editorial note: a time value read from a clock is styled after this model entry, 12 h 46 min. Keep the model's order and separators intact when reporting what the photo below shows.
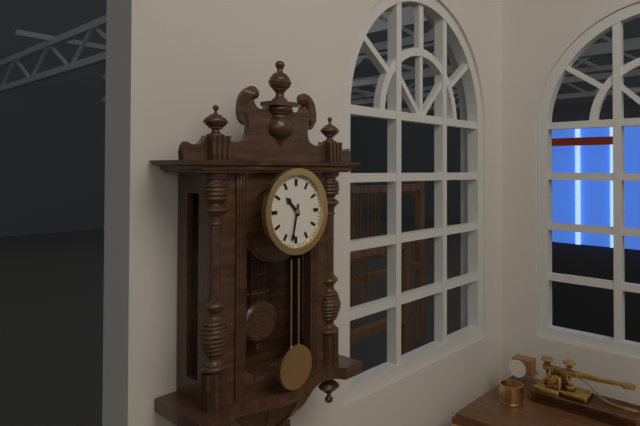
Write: 10 h 32 min
